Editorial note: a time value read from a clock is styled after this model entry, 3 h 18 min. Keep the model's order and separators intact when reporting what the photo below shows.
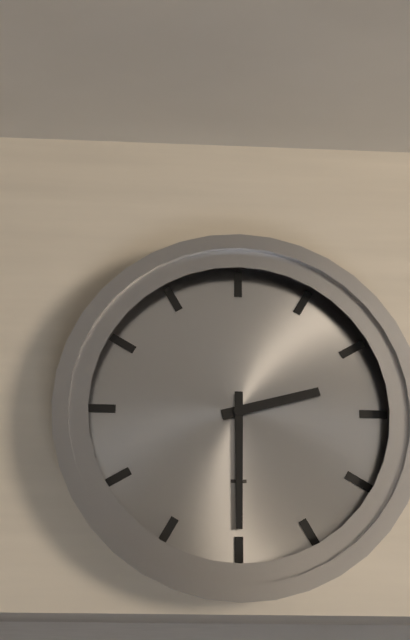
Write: 2 h 30 min
